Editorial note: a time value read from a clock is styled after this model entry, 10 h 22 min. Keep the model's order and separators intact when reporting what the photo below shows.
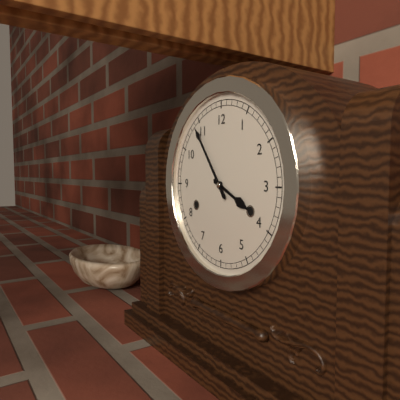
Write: 3 h 54 min
